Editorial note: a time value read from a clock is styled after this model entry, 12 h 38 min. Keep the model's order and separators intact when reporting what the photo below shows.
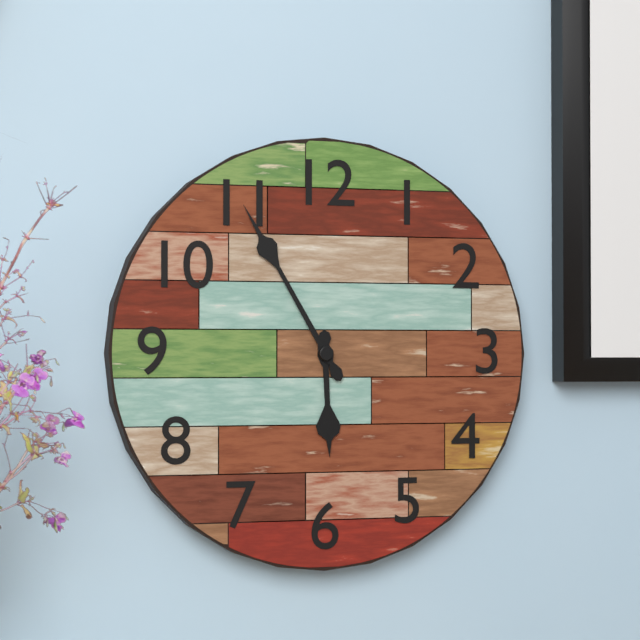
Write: 5 h 55 min
